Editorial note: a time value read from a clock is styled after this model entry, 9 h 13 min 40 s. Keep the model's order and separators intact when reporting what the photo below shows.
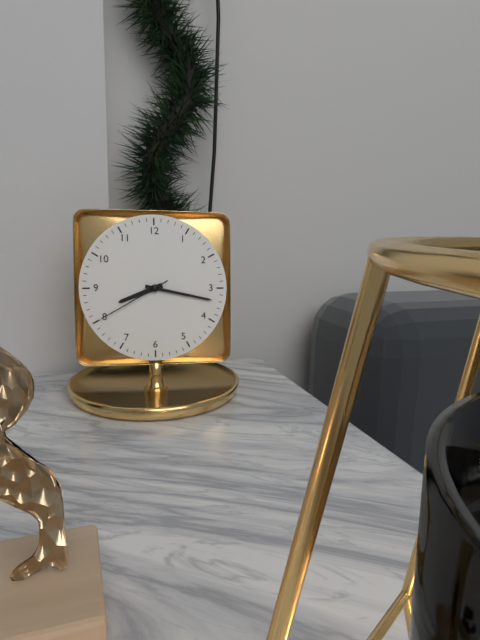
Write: 8 h 17 min 40 s
